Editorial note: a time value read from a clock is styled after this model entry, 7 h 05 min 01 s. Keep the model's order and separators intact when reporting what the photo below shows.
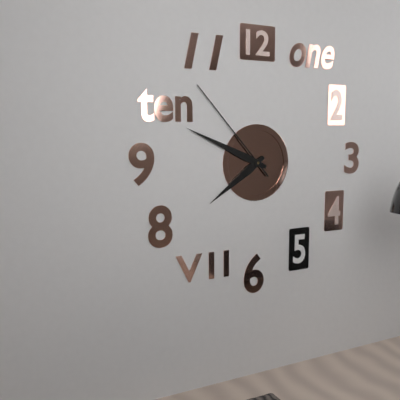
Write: 7 h 49 min 53 s
